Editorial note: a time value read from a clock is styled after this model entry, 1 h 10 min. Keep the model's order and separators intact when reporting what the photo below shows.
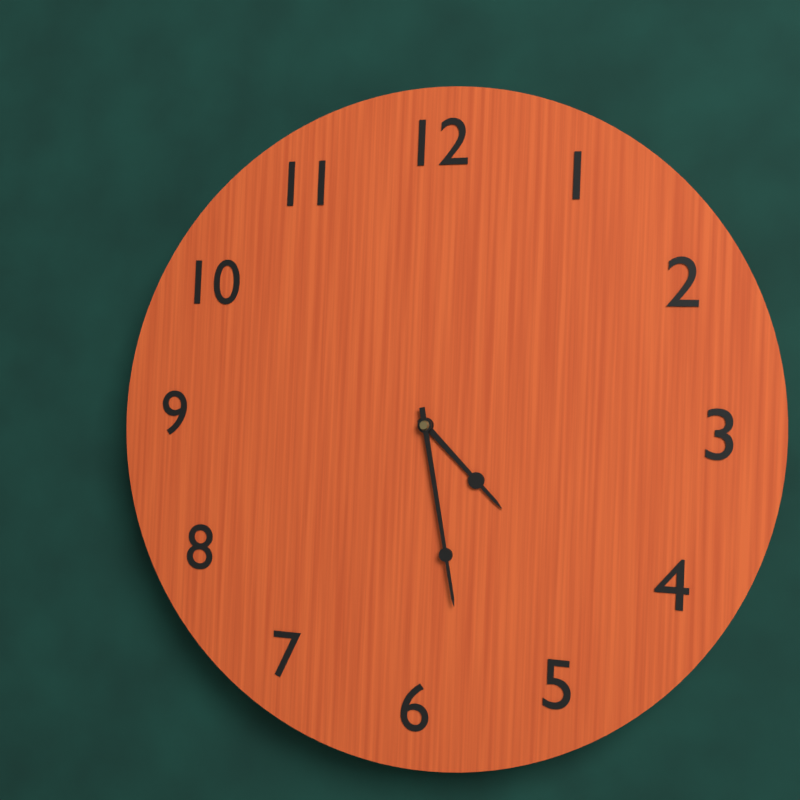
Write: 4 h 28 min
